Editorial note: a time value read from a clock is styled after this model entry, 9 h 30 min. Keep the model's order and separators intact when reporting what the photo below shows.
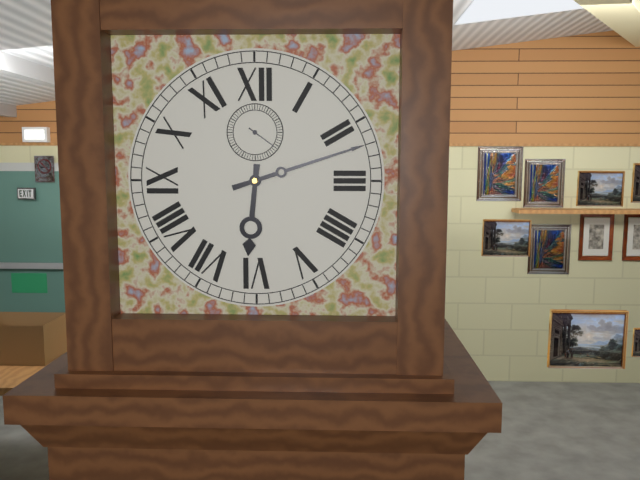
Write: 6 h 12 min
